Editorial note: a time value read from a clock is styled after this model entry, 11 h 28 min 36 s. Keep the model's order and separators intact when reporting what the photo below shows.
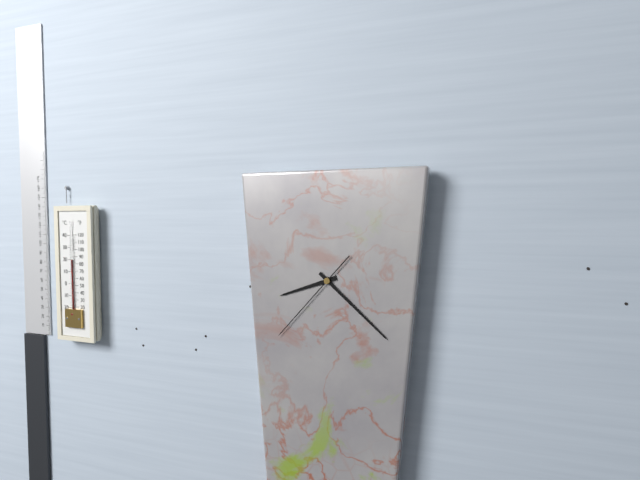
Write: 8 h 22 min 37 s
